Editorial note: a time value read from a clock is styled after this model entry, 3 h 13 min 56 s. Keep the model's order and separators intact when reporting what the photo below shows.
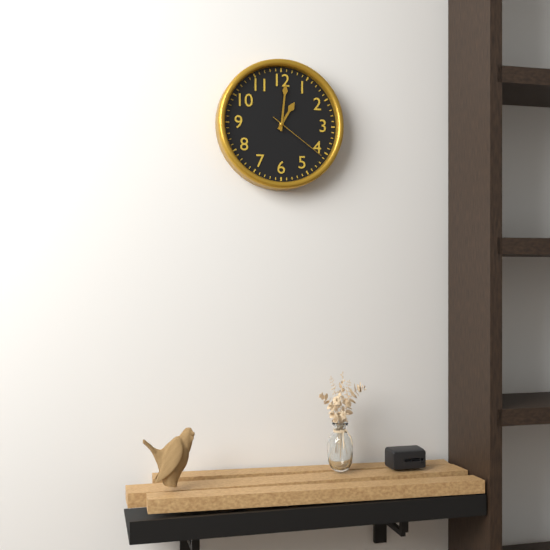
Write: 1 h 01 min 21 s
